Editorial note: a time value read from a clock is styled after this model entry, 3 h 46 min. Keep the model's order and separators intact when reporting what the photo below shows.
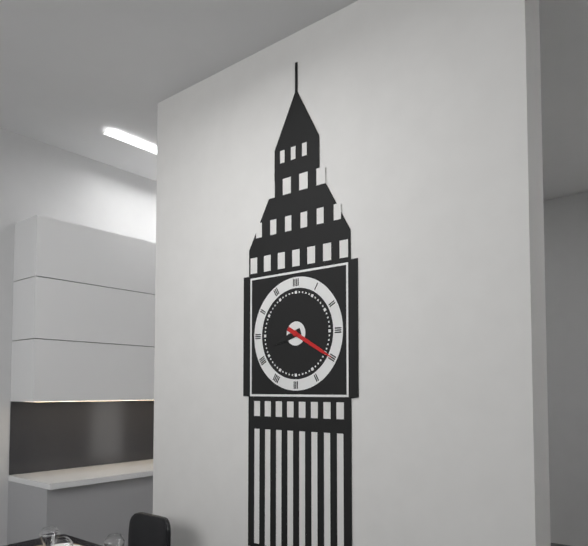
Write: 8 h 20 min
